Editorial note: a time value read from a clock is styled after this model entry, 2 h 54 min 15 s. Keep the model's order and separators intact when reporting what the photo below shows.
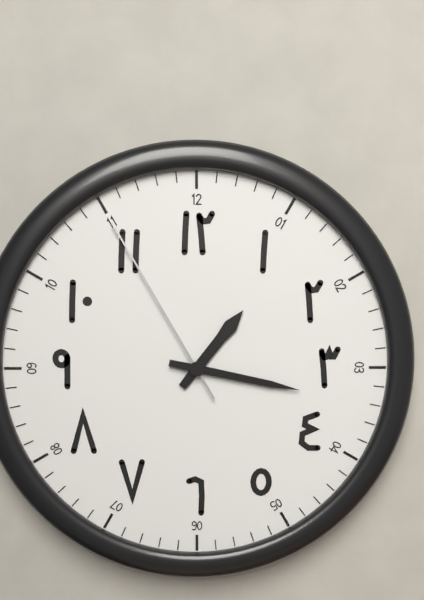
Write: 1 h 17 min 55 s
